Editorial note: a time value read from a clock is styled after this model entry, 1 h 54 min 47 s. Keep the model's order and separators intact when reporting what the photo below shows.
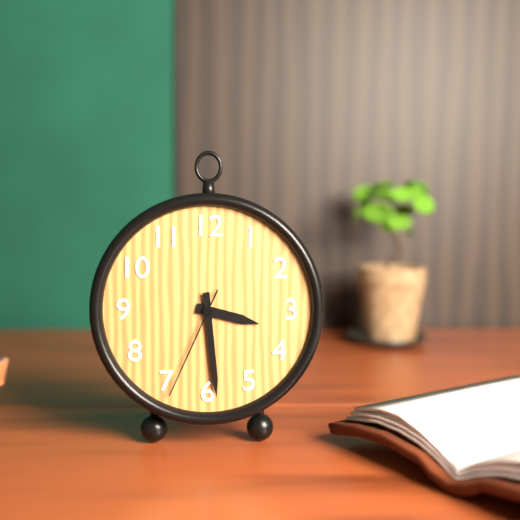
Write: 3 h 29 min 34 s
